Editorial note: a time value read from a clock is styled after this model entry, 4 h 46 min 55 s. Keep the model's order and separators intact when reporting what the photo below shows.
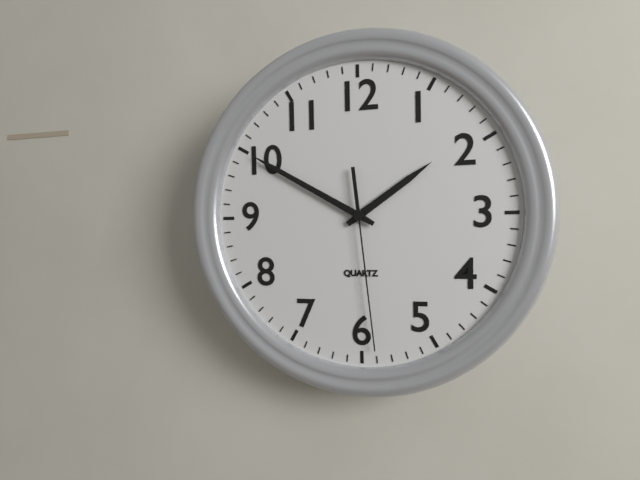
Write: 1 h 50 min 29 s
